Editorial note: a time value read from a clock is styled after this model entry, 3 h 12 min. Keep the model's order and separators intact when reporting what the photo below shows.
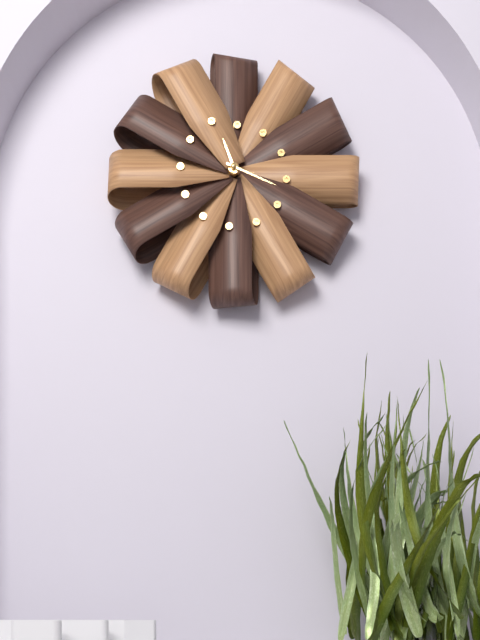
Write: 11 h 19 min
